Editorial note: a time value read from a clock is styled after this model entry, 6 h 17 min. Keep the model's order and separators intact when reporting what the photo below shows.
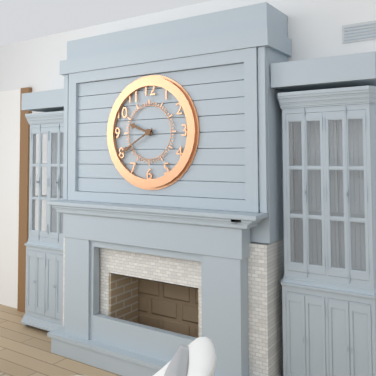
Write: 9 h 40 min
